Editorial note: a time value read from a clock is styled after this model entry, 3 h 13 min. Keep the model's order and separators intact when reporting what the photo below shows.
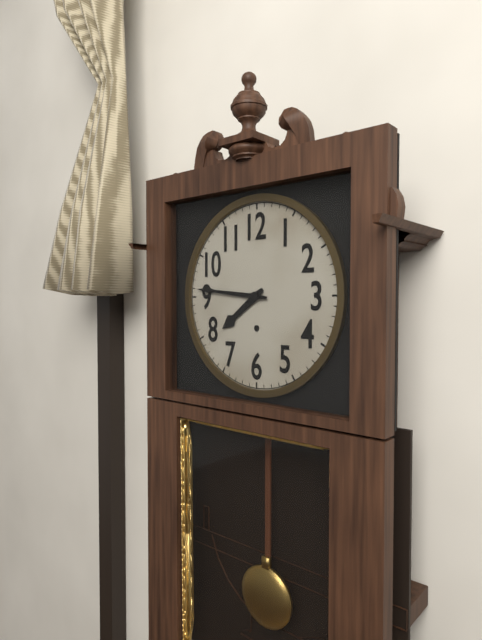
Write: 7 h 46 min
